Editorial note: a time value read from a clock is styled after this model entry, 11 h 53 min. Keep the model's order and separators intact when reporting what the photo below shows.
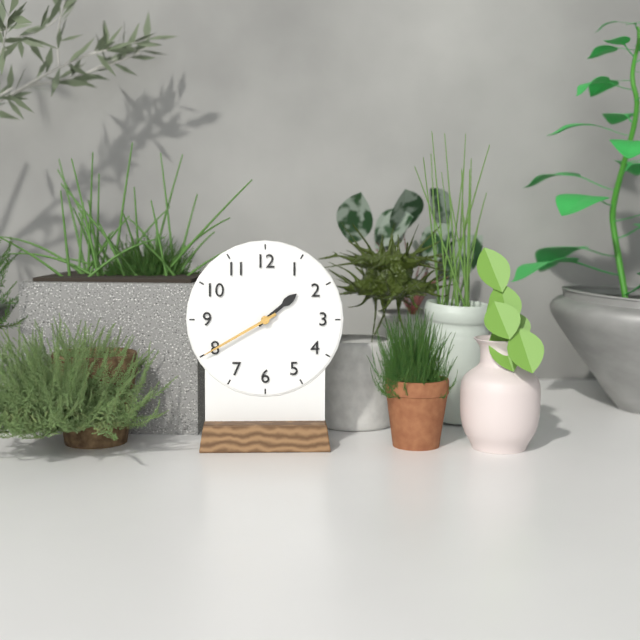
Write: 1 h 40 min
